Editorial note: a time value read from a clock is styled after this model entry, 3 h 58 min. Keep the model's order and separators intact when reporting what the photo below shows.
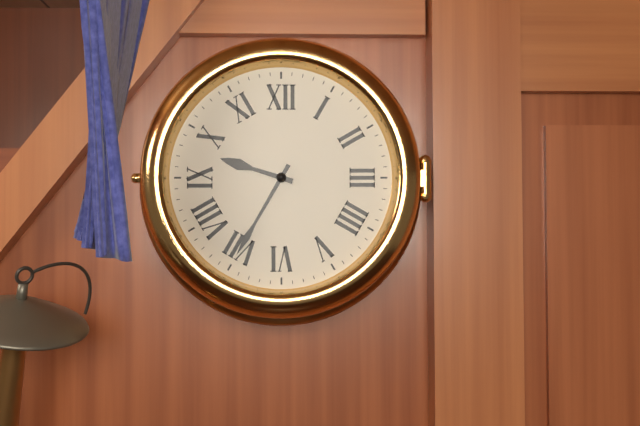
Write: 9 h 35 min
